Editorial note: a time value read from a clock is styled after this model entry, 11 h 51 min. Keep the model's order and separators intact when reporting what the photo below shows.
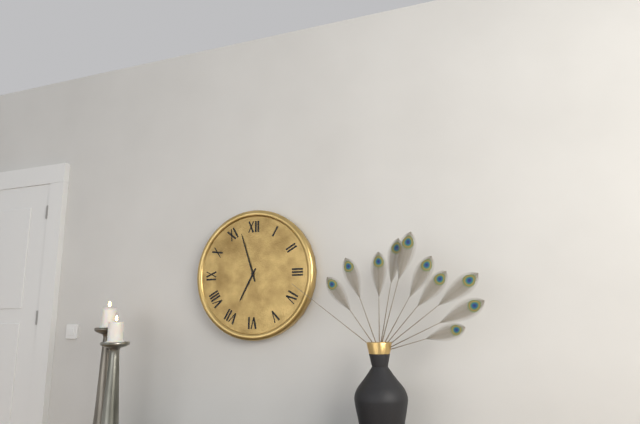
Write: 6 h 57 min
